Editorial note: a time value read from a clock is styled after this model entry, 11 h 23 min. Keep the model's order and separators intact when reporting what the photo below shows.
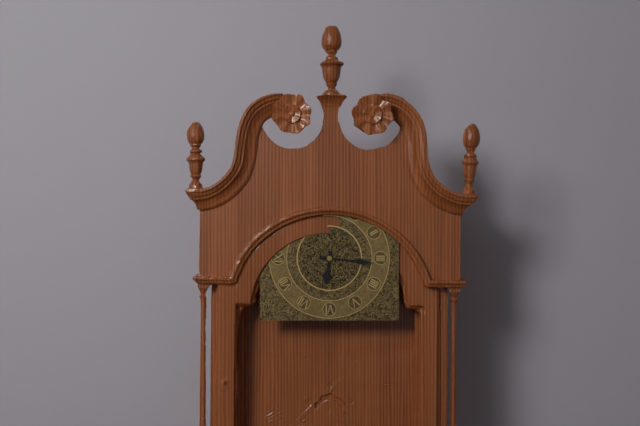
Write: 6 h 16 min
